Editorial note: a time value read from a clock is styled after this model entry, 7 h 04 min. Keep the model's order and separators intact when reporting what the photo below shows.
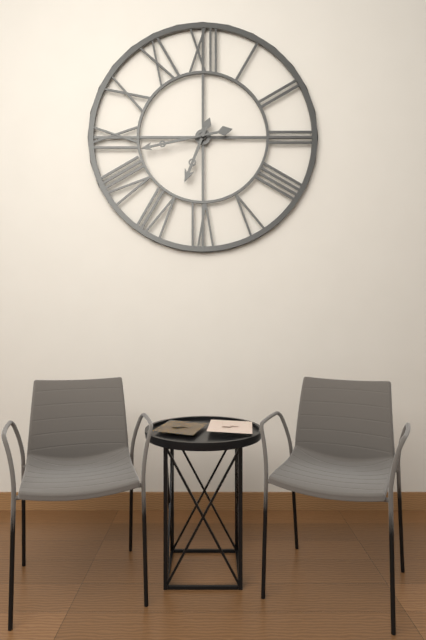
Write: 6 h 43 min
